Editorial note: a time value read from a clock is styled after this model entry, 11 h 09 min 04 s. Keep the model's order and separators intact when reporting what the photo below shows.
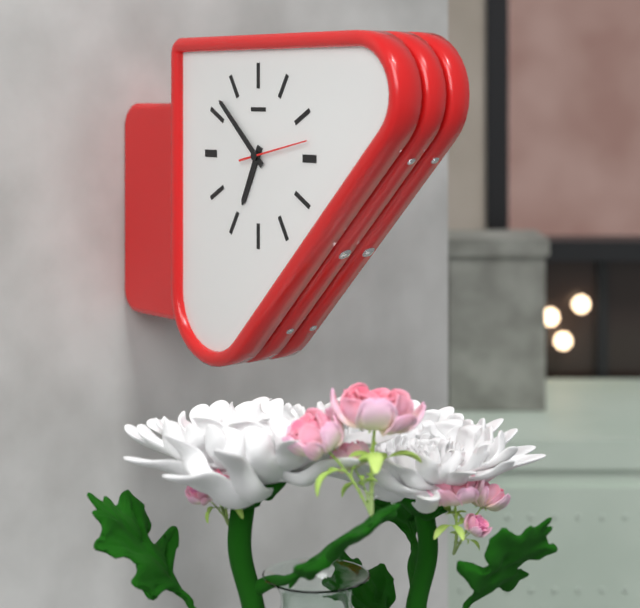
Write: 6 h 52 min 13 s
